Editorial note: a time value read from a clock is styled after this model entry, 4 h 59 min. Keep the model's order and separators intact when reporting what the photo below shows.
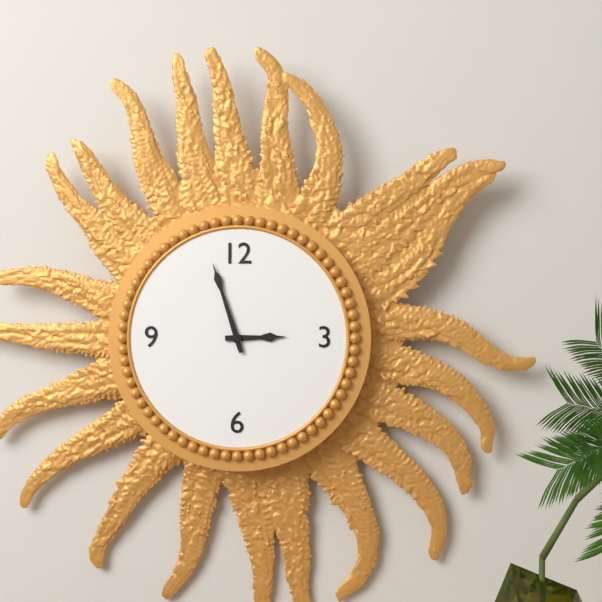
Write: 2 h 57 min
